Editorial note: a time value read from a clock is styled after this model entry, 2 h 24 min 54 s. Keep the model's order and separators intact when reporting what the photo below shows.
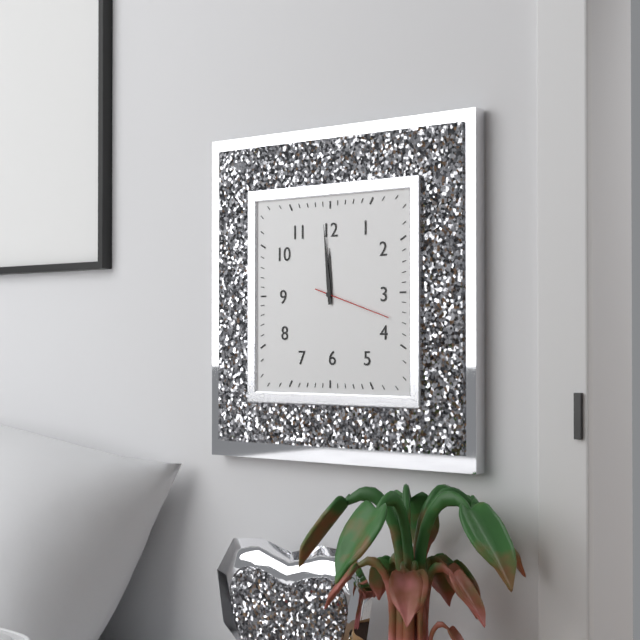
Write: 11 h 59 min 18 s
